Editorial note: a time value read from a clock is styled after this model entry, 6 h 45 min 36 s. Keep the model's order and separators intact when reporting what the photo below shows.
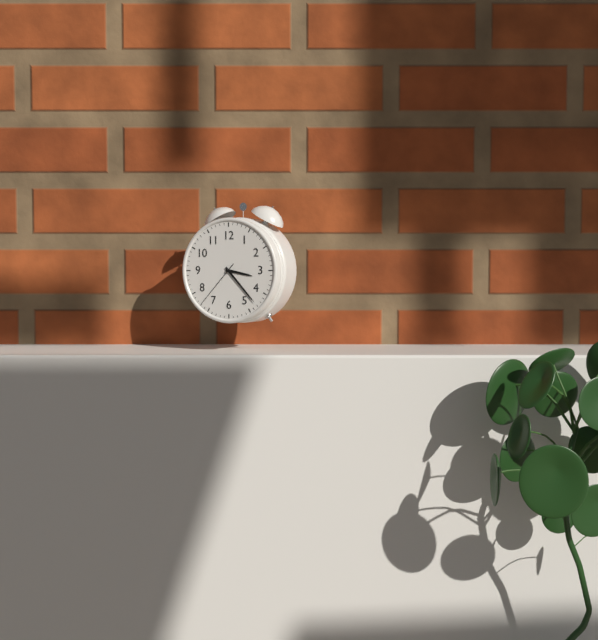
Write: 3 h 23 min 37 s
